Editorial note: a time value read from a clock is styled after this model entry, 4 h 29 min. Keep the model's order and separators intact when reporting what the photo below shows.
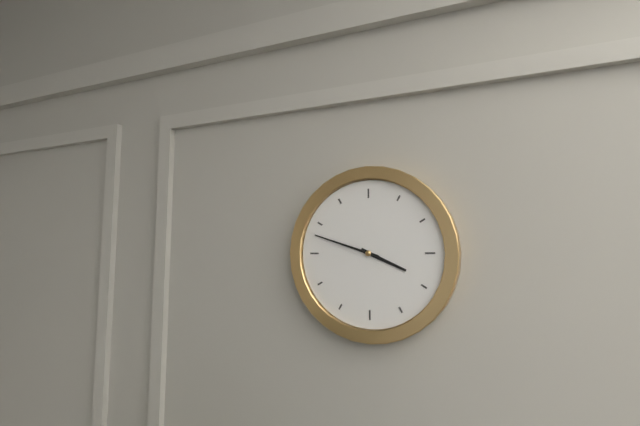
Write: 3 h 48 min
